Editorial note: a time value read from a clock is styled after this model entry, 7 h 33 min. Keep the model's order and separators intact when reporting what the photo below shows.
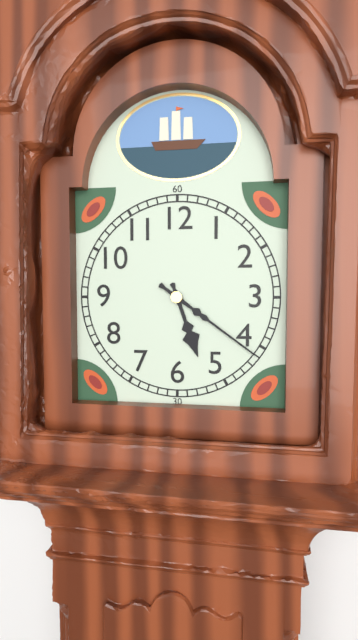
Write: 5 h 21 min
